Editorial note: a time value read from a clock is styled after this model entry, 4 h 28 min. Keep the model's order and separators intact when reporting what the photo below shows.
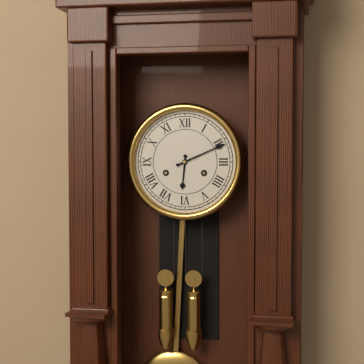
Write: 6 h 11 min
